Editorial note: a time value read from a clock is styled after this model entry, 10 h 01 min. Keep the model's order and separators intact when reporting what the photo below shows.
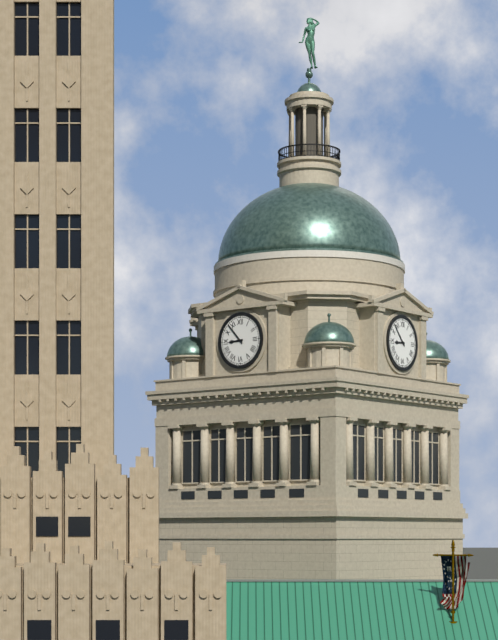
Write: 8 h 53 min
